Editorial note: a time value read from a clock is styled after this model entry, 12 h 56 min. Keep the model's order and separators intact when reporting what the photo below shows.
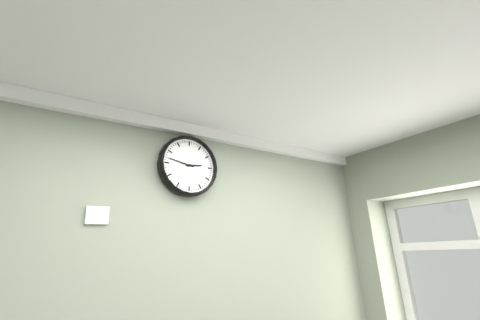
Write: 2 h 47 min
